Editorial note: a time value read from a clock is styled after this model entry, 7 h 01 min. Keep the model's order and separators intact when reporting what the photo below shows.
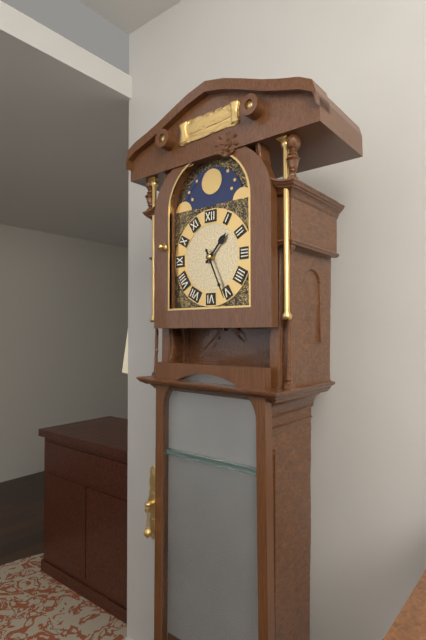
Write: 1 h 26 min
